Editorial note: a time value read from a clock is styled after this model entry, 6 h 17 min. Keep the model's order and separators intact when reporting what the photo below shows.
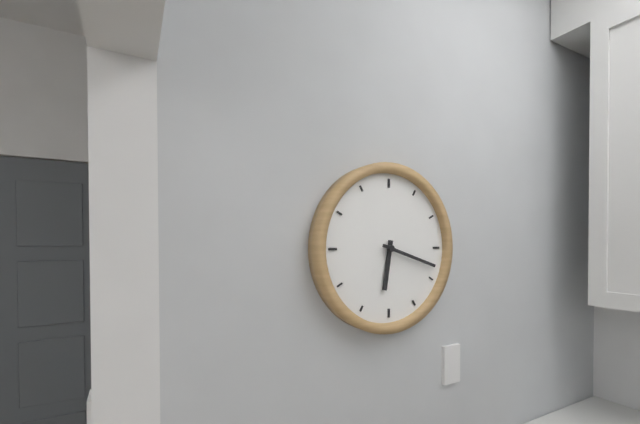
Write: 6 h 18 min
